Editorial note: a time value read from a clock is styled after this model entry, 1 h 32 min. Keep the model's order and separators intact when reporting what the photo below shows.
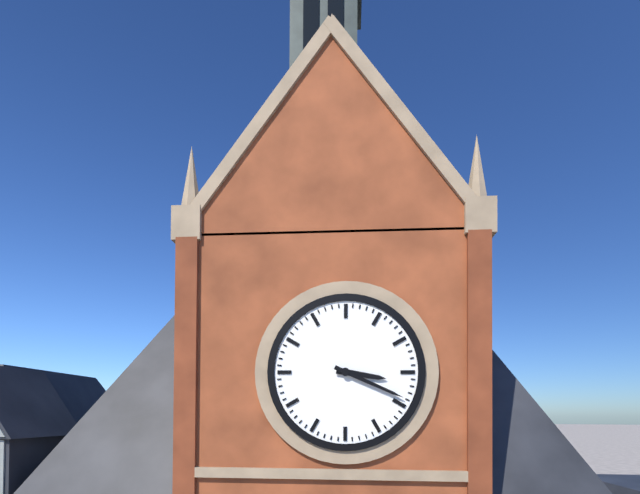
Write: 3 h 19 min
